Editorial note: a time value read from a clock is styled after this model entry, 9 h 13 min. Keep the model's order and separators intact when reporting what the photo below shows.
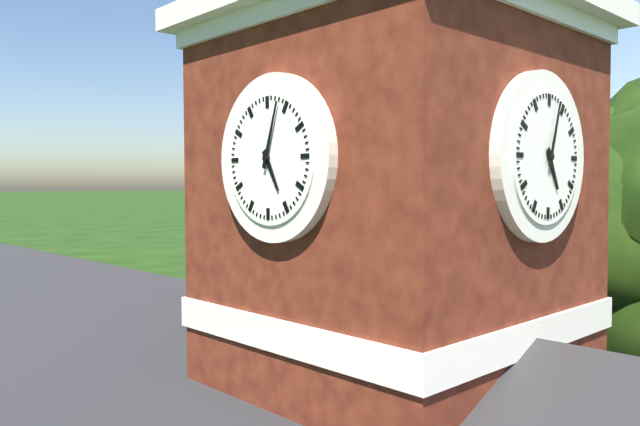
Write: 5 h 03 min
